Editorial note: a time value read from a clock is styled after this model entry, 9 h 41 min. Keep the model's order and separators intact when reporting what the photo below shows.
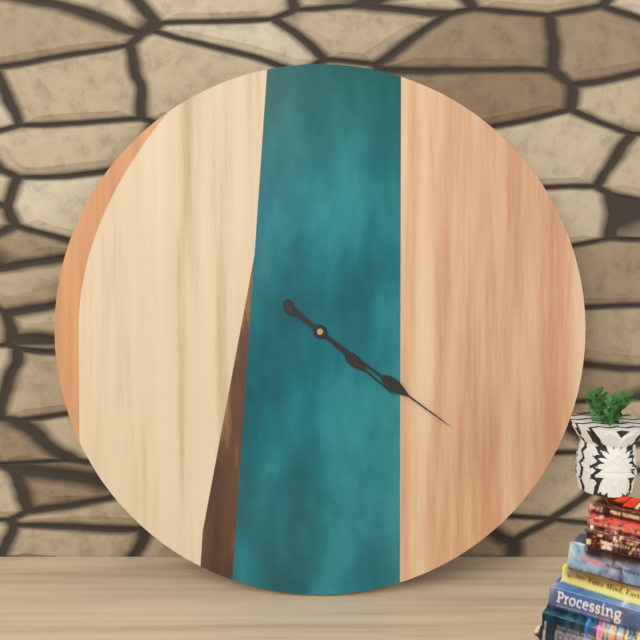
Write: 4 h 21 min
